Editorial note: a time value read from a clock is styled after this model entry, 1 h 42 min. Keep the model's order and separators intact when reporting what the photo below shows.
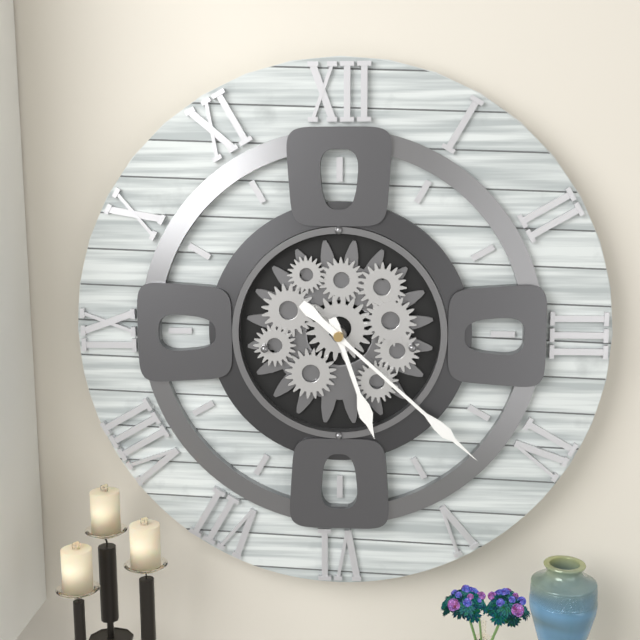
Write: 5 h 22 min
